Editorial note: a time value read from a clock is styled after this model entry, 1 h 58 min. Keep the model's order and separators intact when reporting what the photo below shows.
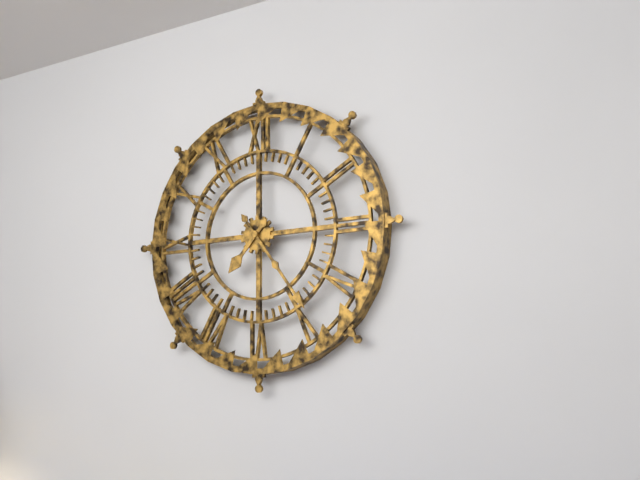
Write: 7 h 24 min
